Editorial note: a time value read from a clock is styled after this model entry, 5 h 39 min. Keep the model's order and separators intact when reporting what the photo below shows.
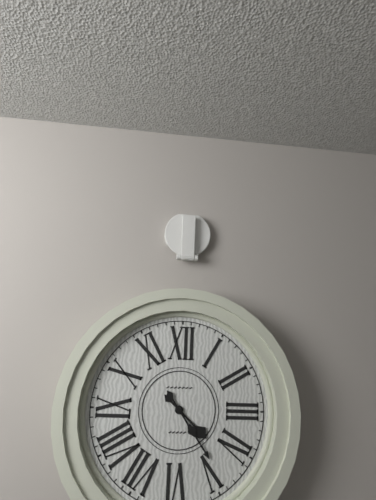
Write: 4 h 24 min
